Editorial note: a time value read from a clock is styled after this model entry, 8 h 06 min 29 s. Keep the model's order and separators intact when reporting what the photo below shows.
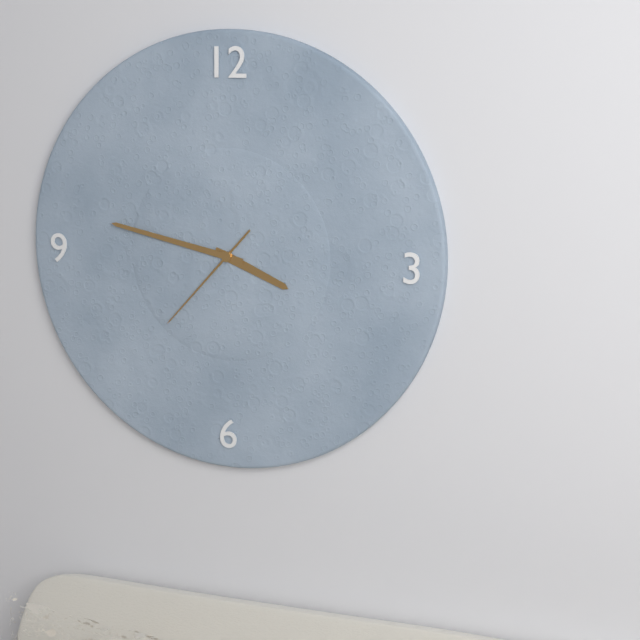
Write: 3 h 47 min 37 s
